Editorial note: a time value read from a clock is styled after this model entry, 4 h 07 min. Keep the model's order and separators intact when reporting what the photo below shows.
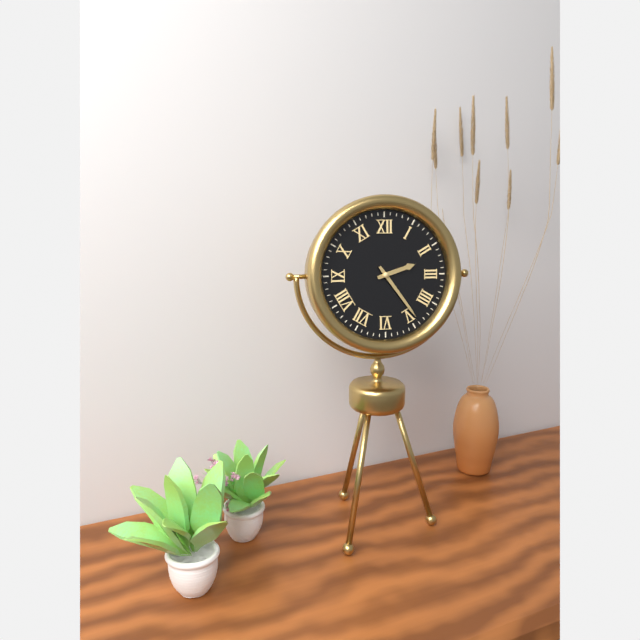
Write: 2 h 24 min
